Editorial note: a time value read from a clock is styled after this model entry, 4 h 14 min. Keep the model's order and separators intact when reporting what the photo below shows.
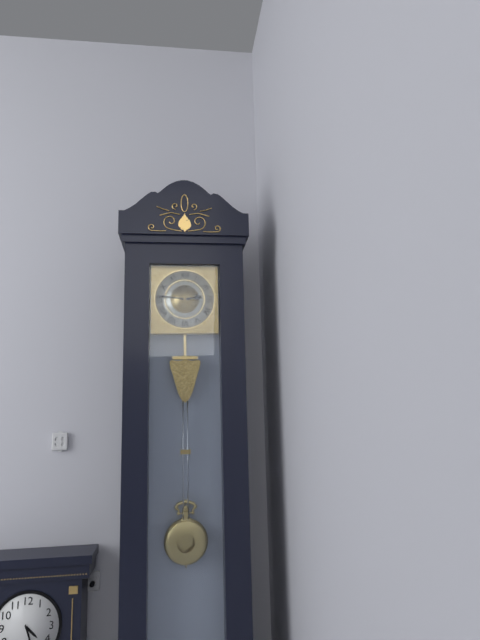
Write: 2 h 46 min
